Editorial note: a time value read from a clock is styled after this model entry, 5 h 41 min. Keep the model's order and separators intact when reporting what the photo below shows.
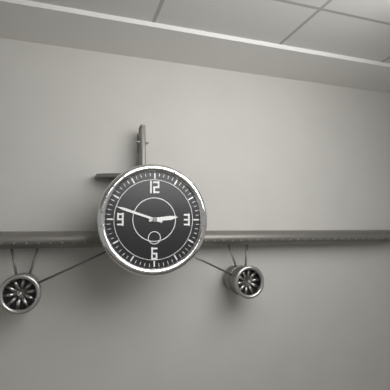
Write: 2 h 48 min
